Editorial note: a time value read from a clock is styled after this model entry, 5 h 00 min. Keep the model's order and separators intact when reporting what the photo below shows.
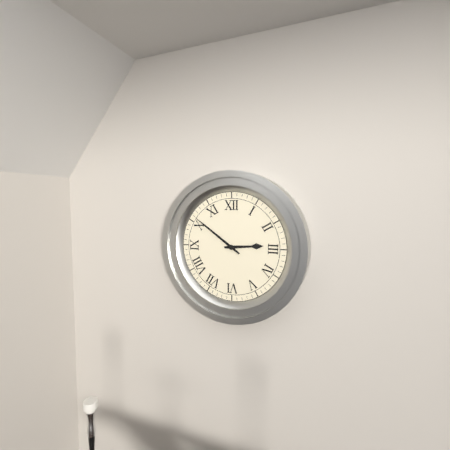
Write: 2 h 51 min
